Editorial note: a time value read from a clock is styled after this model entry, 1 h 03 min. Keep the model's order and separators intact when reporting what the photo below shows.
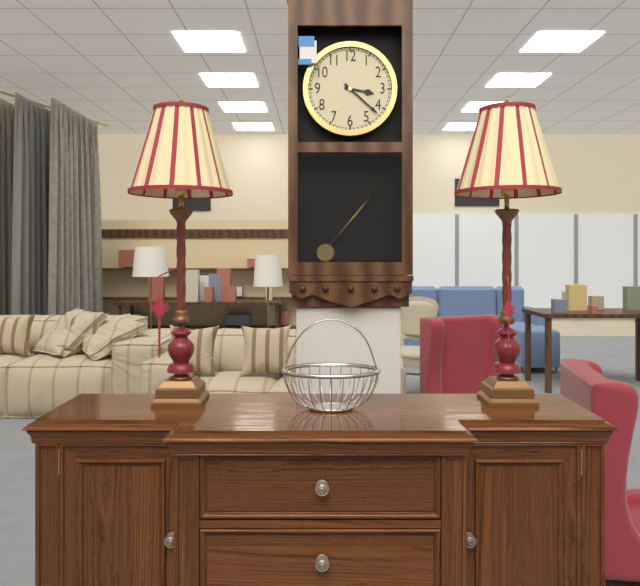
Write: 3 h 22 min
